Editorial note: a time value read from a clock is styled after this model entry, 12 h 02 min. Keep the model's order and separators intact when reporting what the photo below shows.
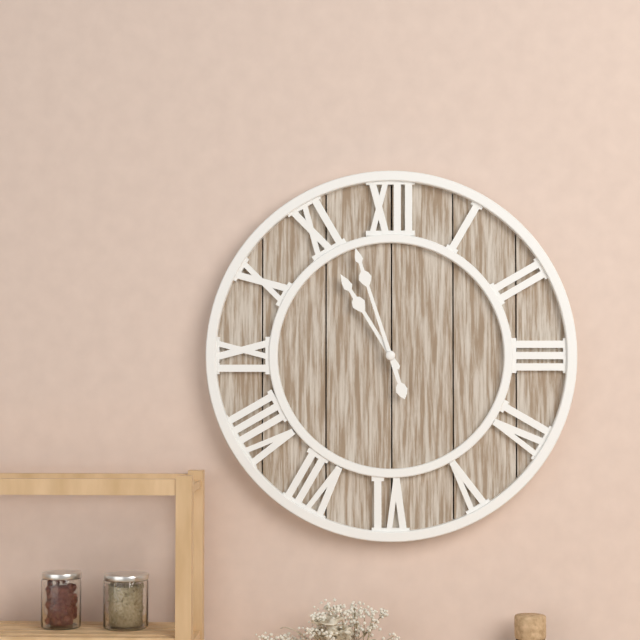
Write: 10 h 57 min
